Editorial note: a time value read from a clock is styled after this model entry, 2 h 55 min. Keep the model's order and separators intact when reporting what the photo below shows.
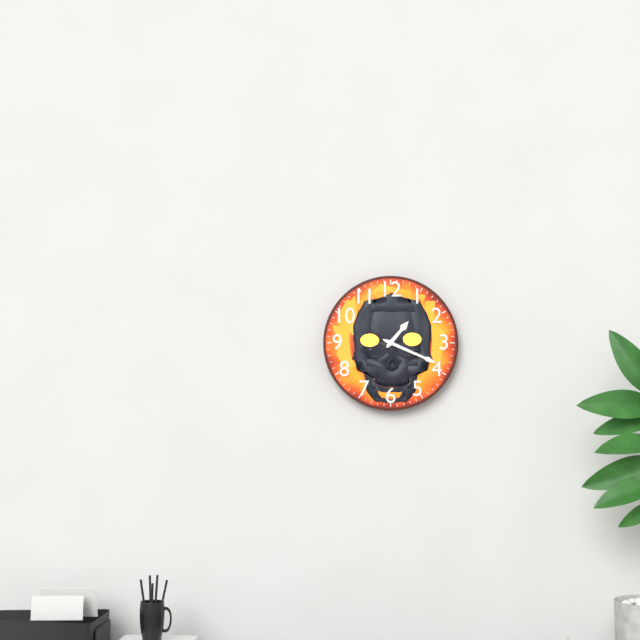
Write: 1 h 19 min
